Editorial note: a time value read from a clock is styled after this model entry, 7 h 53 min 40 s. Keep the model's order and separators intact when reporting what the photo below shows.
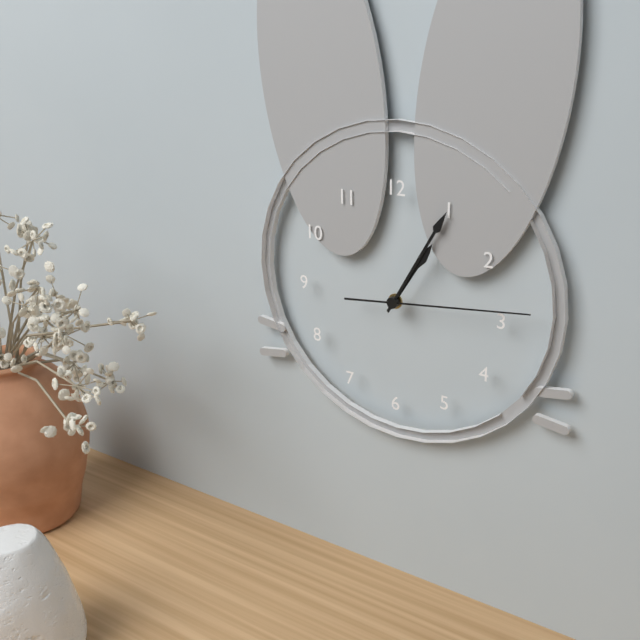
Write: 1 h 05 min 14 s
